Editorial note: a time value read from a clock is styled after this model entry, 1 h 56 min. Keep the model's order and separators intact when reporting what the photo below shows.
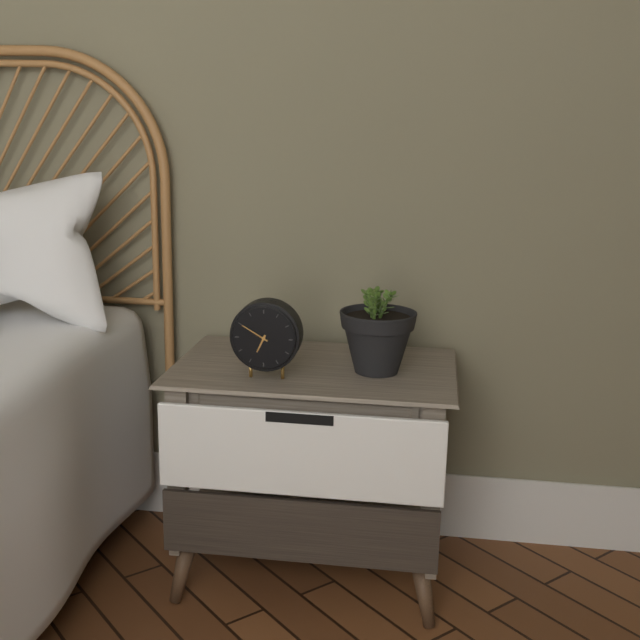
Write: 6 h 50 min
